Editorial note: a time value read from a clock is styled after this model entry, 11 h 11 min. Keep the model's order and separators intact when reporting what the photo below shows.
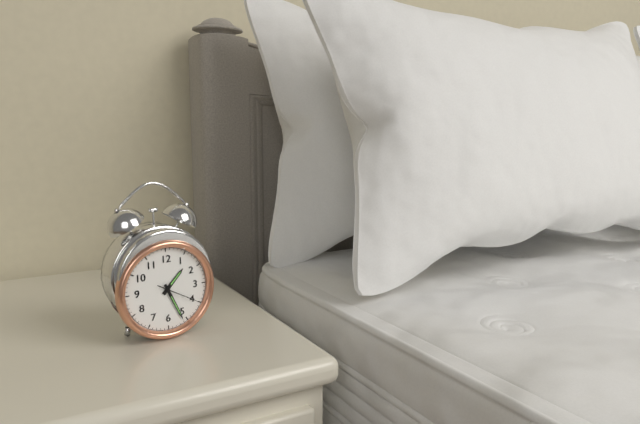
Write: 1 h 26 min
